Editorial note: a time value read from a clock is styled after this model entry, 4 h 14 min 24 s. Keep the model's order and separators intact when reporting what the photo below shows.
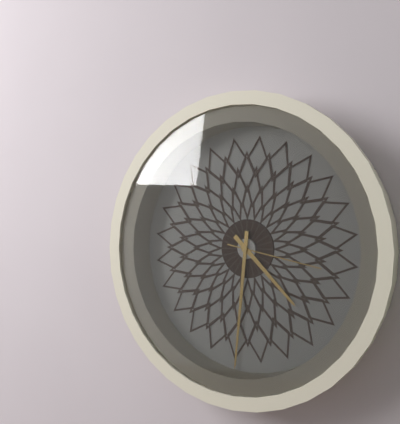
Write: 4 h 31 min 17 s
